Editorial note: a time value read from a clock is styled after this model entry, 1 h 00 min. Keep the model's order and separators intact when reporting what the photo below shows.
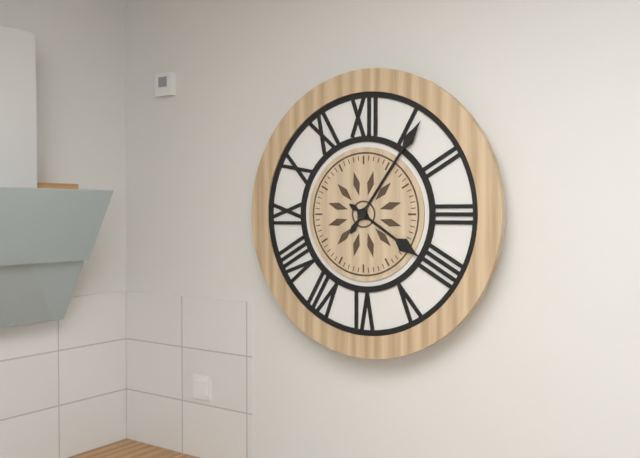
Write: 4 h 06 min
